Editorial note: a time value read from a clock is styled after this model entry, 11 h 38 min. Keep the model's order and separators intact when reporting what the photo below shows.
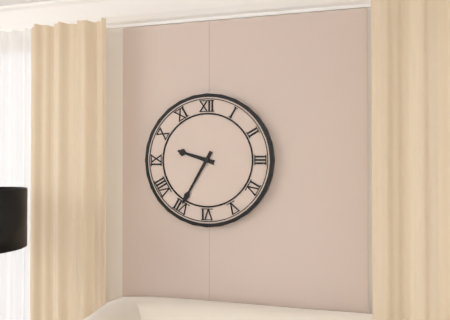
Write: 9 h 35 min
